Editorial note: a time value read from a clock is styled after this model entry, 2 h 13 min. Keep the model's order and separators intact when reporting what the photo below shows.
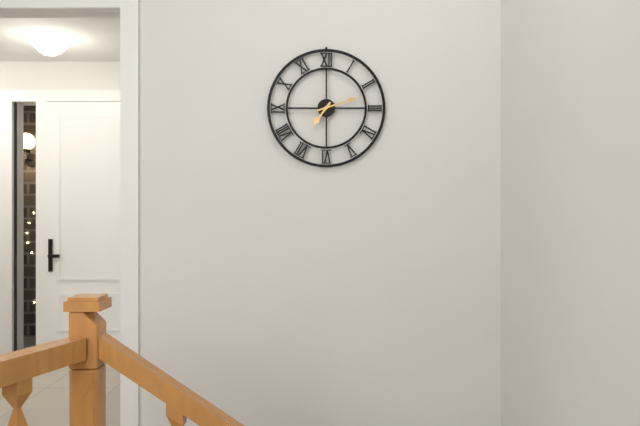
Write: 7 h 12 min
